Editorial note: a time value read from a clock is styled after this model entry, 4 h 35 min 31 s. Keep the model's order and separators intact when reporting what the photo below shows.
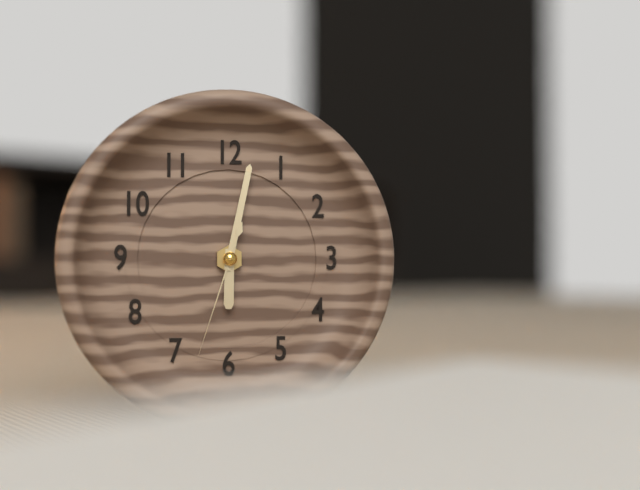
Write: 6 h 02 min 33 s
